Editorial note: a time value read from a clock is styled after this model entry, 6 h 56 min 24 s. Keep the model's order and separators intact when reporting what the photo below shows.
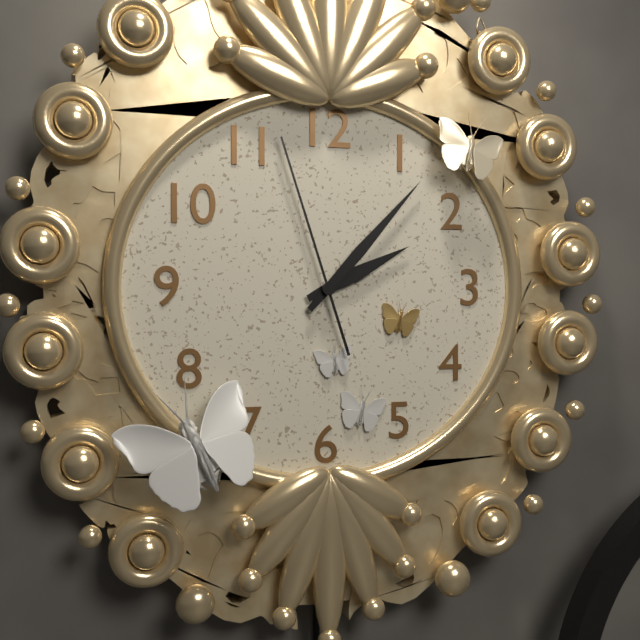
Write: 2 h 07 min 57 s
